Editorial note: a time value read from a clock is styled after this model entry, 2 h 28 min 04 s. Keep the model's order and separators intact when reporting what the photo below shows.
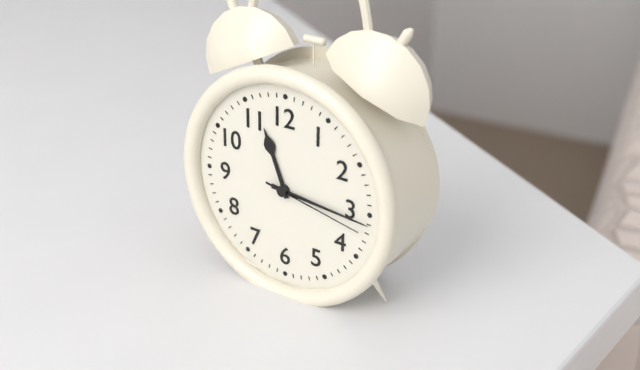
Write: 11 h 16 min 17 s
